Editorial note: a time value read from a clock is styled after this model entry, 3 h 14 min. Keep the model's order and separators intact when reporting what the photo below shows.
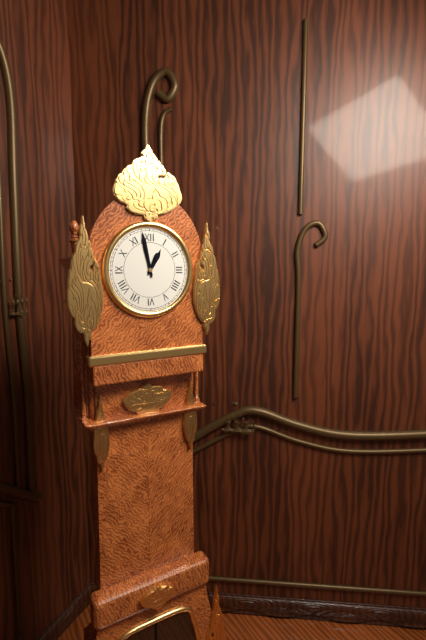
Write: 12 h 58 min
